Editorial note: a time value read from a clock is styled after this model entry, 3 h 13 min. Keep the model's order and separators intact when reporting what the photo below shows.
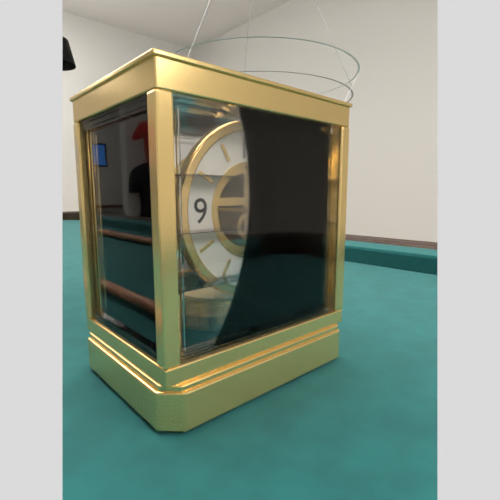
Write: 9 h 07 min
